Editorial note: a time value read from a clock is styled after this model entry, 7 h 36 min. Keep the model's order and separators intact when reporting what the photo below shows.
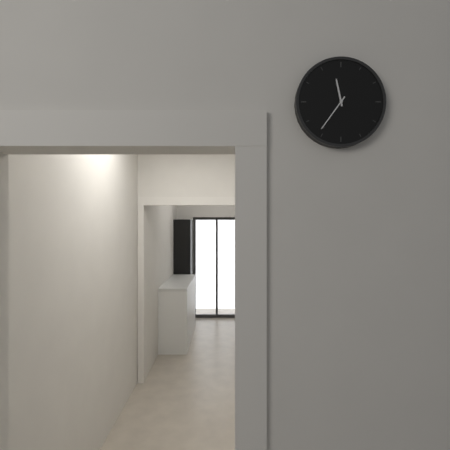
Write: 11 h 36 min
